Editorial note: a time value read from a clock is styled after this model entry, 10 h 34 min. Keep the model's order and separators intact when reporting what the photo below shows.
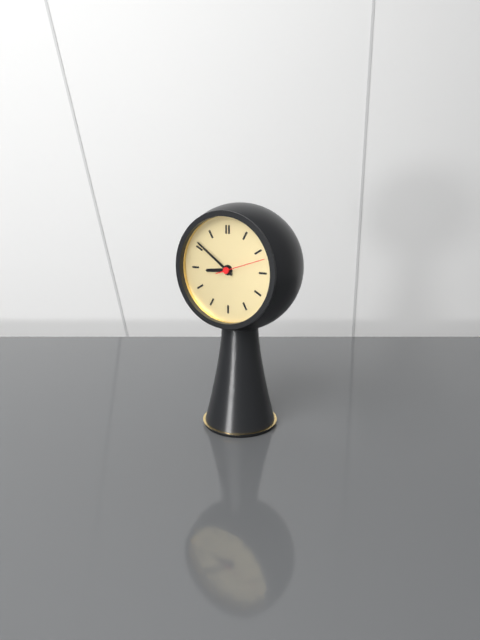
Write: 8 h 51 min
